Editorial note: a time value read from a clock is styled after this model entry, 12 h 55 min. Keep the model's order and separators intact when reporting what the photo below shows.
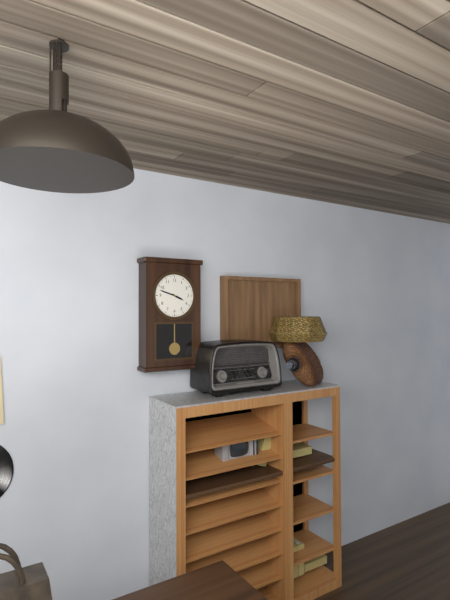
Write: 3 h 48 min
